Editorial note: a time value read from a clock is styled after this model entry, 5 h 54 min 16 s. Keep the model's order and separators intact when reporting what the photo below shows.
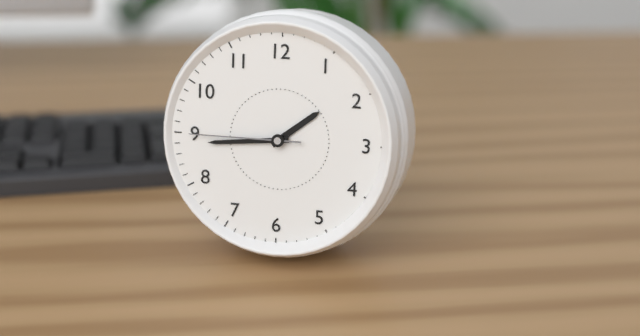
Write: 1 h 44 min 45 s
